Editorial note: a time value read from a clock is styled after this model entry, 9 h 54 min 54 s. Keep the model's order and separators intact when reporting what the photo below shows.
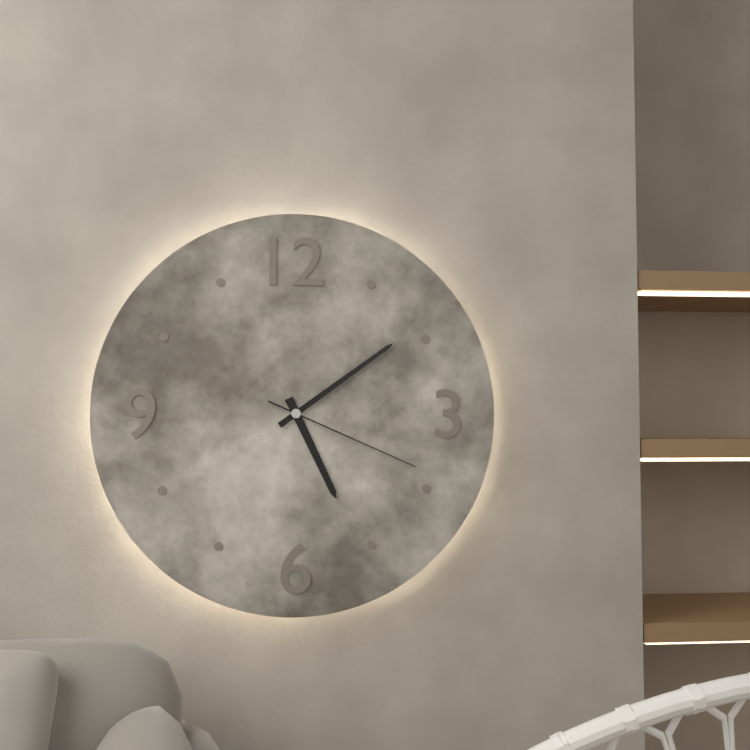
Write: 5 h 09 min 19 s
